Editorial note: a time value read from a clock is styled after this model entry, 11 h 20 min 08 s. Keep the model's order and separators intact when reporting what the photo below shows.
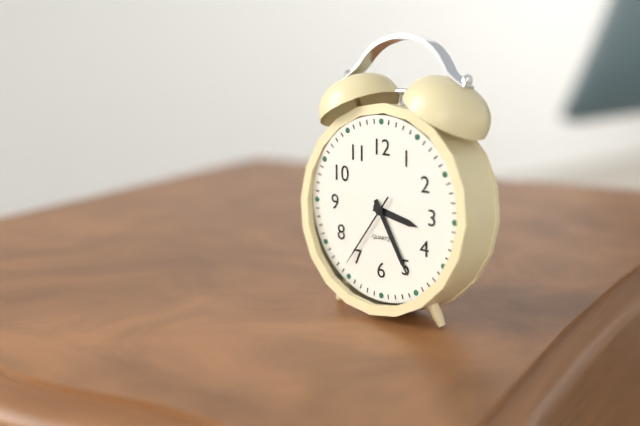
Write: 3 h 25 min 36 s
